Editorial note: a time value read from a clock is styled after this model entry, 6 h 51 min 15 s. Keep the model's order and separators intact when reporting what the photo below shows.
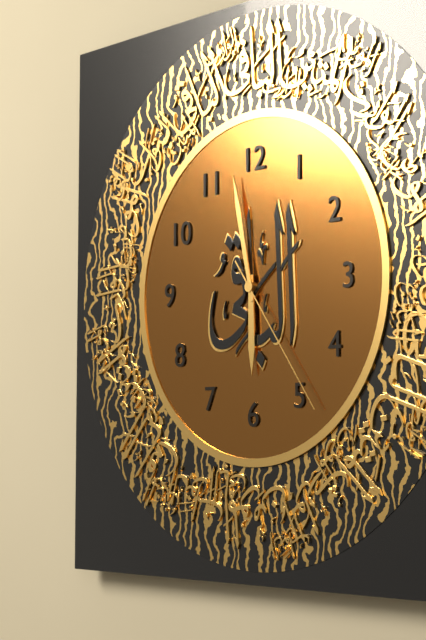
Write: 5 h 58 min 24 s
